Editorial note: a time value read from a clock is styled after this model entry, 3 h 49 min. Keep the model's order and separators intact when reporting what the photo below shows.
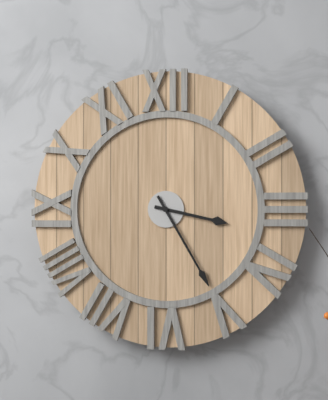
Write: 3 h 25 min
